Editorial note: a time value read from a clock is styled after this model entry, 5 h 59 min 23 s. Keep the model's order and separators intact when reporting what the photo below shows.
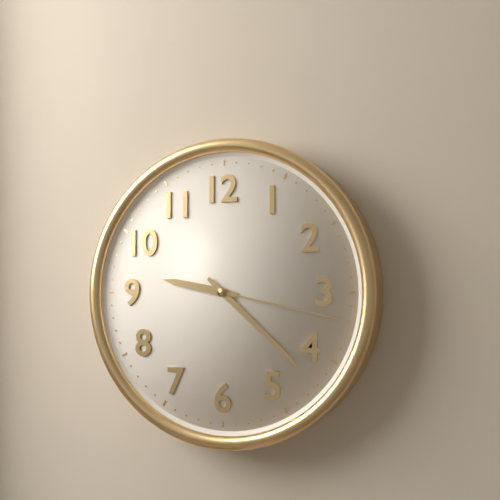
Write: 9 h 22 min 17 s
